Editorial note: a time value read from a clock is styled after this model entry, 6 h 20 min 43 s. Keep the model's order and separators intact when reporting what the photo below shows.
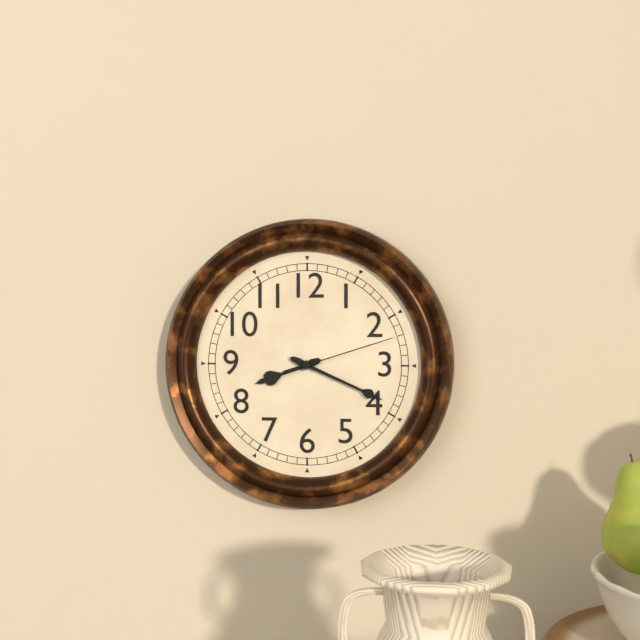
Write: 8 h 19 min 12 s
